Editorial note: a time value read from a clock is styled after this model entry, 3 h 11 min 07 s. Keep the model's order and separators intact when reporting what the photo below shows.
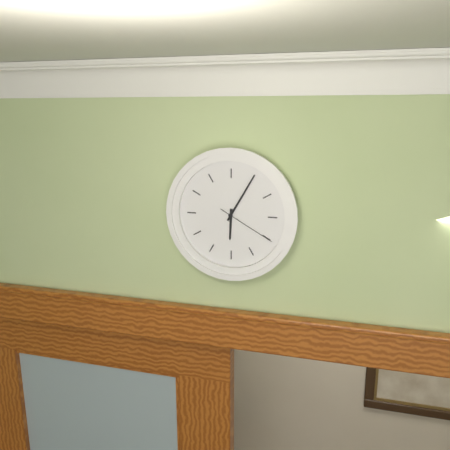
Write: 6 h 05 min 20 s
